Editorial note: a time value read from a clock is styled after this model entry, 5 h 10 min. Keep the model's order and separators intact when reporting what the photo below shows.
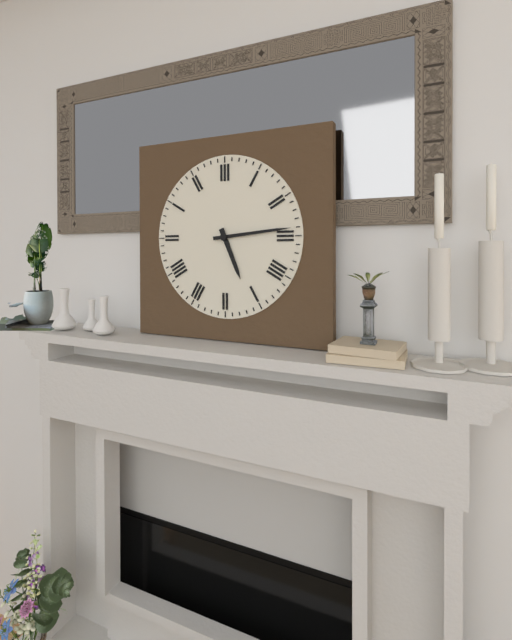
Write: 5 h 14 min
